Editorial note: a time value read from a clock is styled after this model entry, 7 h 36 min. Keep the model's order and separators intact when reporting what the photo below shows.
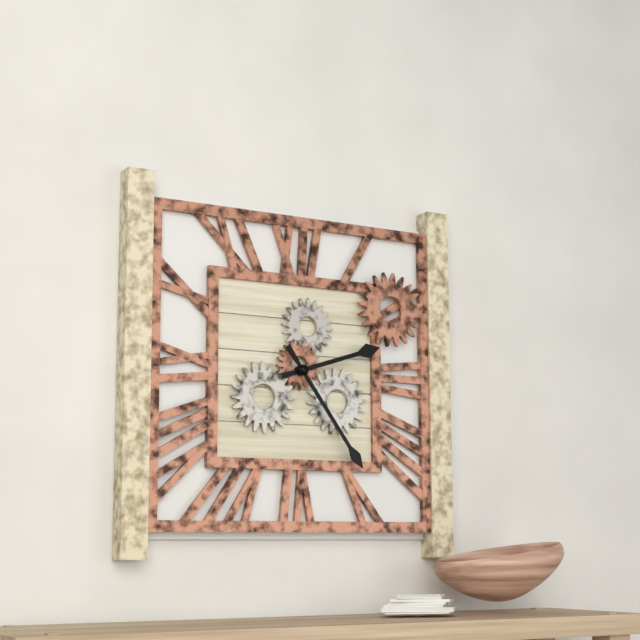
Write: 2 h 24 min
